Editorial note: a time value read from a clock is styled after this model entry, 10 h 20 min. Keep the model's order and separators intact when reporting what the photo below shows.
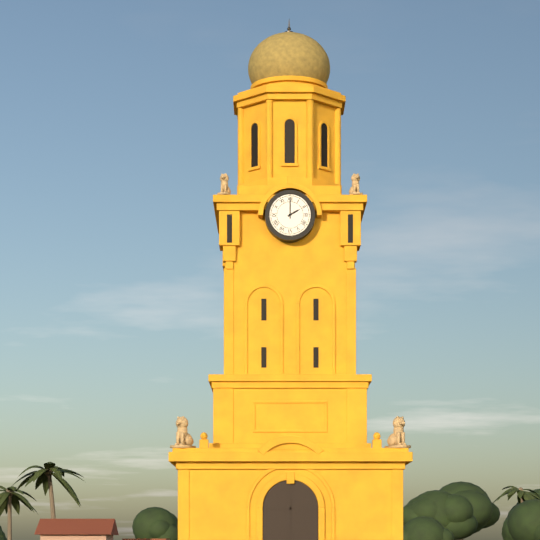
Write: 2 h 00 min
